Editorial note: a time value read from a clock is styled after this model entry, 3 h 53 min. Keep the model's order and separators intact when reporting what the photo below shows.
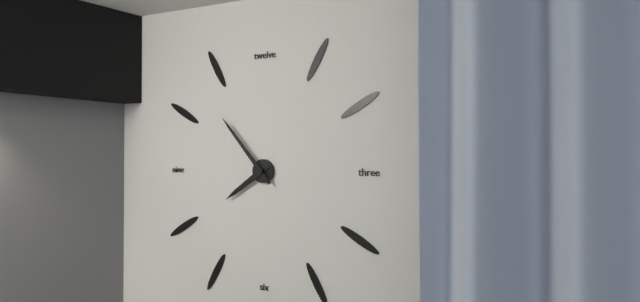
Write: 7 h 53 min
